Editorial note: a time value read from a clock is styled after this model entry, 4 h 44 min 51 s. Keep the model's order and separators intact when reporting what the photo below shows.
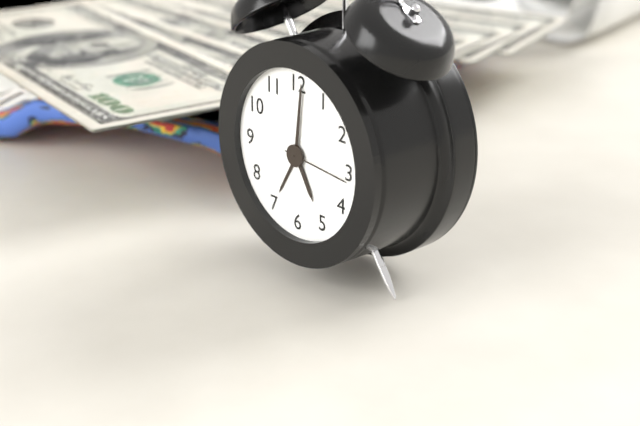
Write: 5 h 01 min 16 s
